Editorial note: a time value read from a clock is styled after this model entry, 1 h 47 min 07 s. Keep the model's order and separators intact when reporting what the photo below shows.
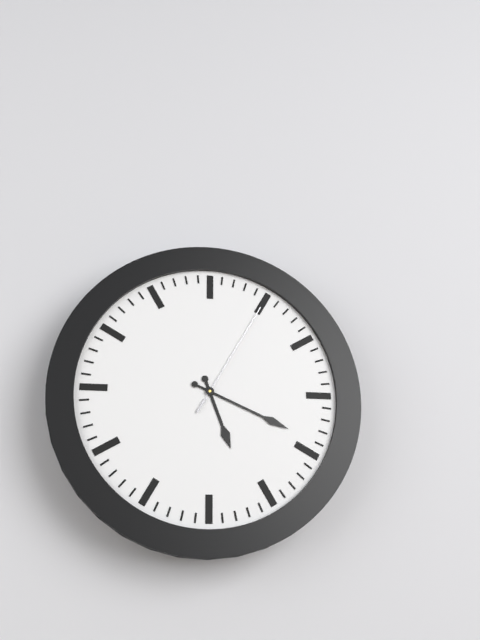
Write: 5 h 19 min 05 s
